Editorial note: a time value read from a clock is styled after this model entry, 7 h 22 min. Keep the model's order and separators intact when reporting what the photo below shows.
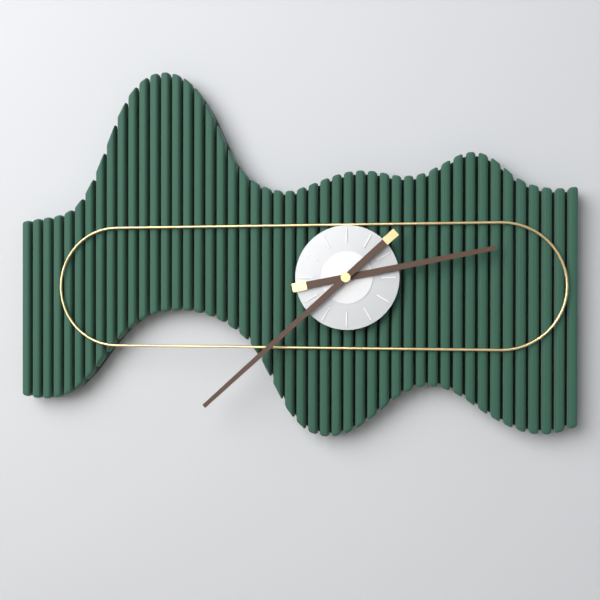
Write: 2 h 38 min
